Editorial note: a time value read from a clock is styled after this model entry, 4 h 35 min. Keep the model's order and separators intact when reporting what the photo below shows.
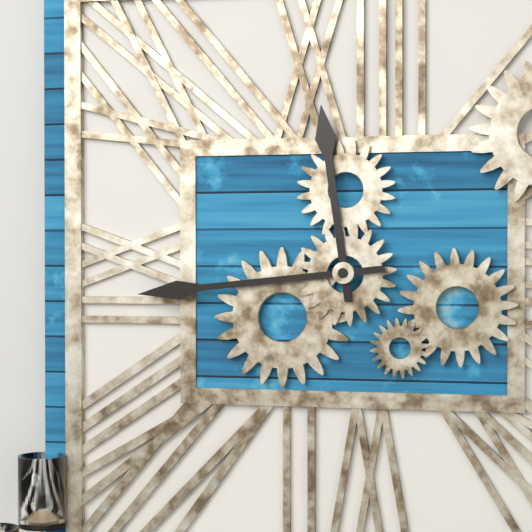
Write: 11 h 44 min
